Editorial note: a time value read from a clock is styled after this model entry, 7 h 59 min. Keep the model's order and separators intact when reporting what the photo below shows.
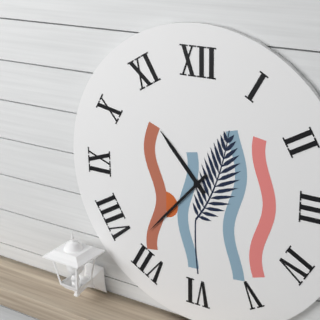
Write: 10 h 37 min
